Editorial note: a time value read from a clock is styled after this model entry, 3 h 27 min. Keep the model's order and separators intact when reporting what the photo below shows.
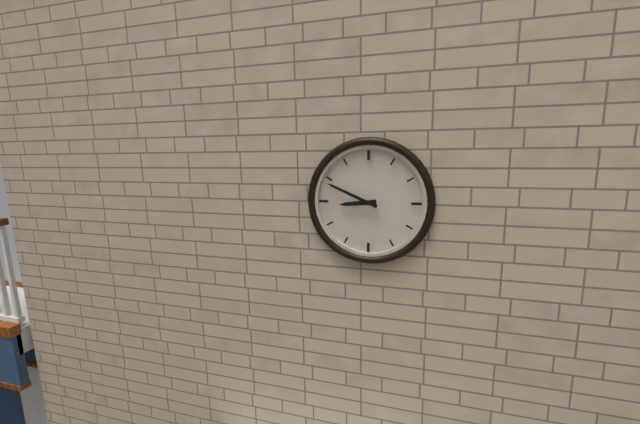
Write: 8 h 49 min
